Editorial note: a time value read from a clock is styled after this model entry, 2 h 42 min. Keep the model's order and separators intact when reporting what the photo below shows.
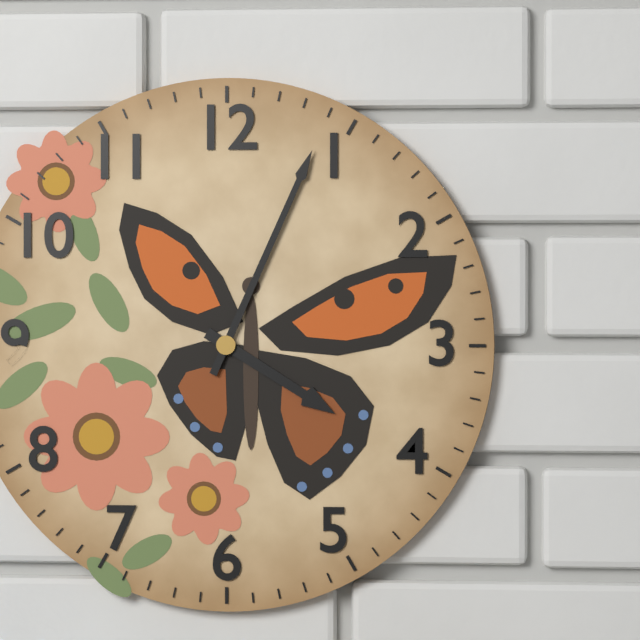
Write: 4 h 04 min
